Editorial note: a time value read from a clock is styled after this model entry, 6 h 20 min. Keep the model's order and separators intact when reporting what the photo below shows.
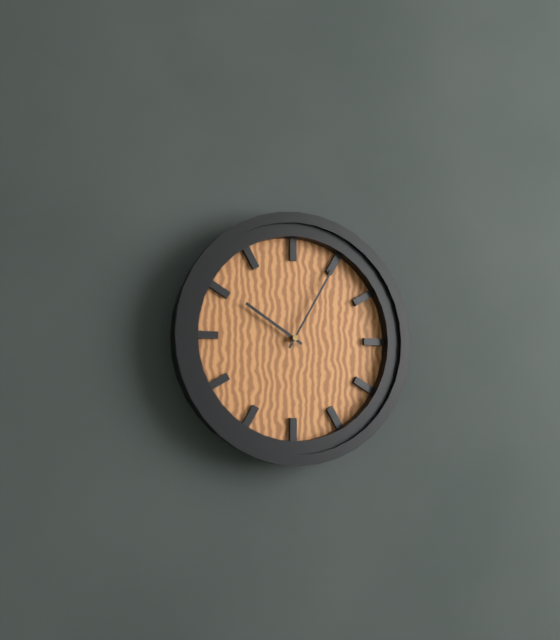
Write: 10 h 05 min
